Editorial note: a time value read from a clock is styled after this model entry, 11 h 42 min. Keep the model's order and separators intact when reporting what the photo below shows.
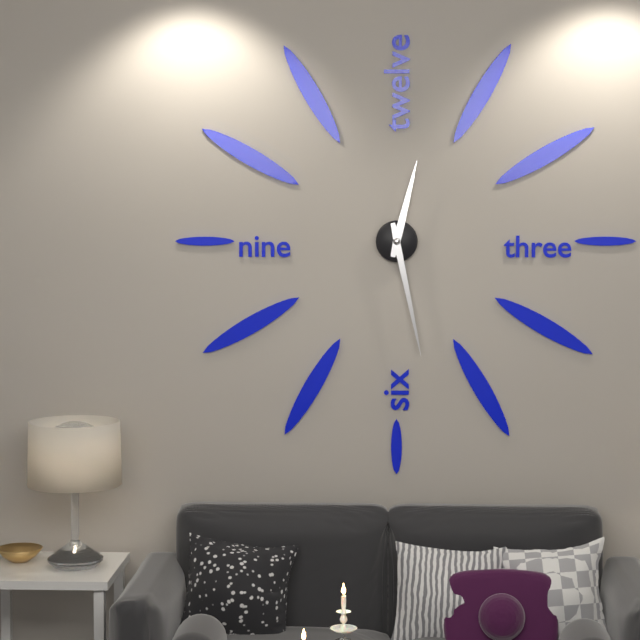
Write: 12 h 28 min
